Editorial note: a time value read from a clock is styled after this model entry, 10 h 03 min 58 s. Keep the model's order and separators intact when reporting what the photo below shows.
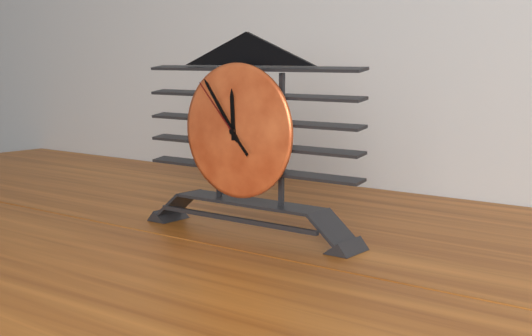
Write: 11 h 54 min 53 s
